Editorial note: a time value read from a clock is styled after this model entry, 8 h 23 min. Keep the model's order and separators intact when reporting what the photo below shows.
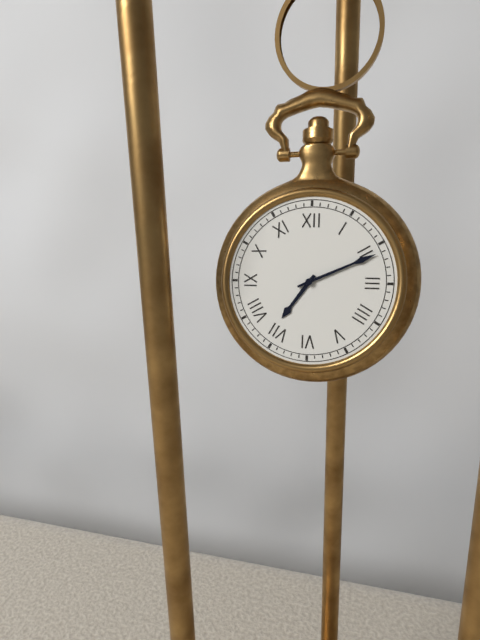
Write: 7 h 11 min
